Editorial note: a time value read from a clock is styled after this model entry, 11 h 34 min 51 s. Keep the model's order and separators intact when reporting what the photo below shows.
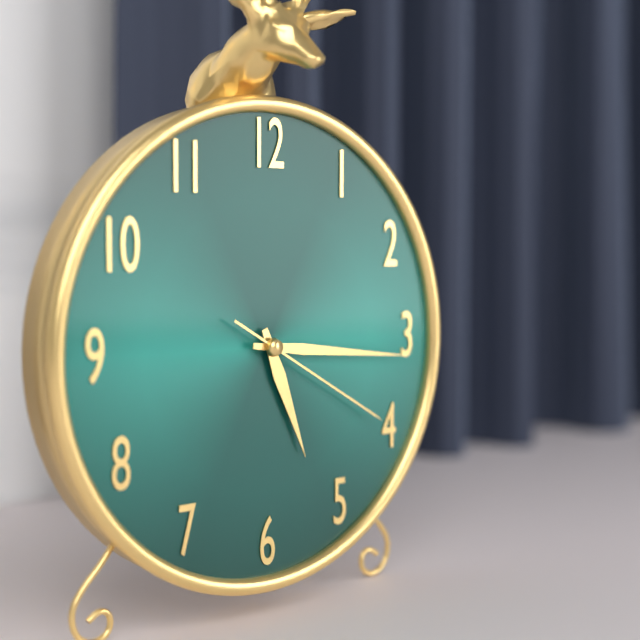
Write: 5 h 16 min 20 s
